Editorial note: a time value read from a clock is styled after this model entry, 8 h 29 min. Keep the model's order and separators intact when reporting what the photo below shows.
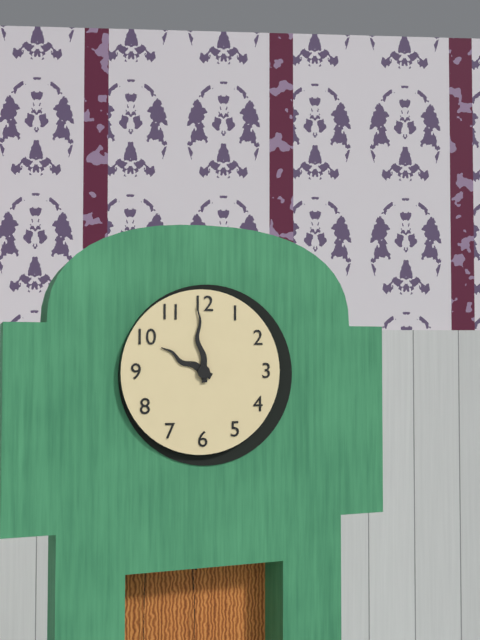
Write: 9 h 59 min
